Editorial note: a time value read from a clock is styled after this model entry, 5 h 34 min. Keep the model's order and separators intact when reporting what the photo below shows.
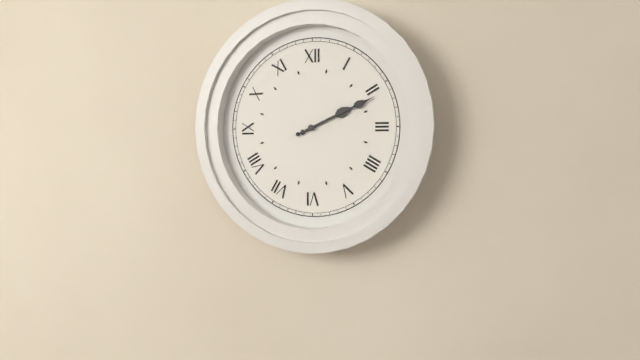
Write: 2 h 11 min
